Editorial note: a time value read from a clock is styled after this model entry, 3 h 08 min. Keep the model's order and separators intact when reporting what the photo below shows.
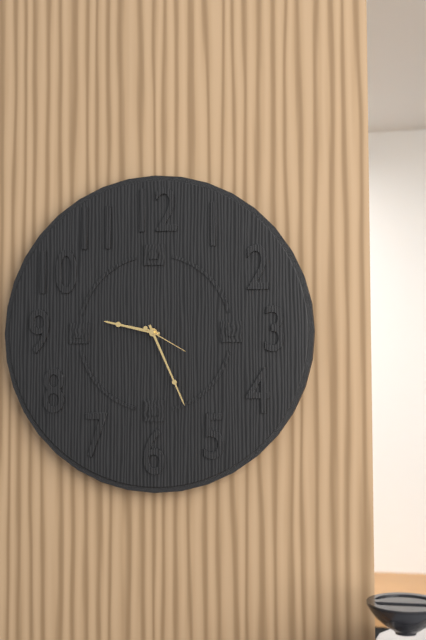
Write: 9 h 26 min
